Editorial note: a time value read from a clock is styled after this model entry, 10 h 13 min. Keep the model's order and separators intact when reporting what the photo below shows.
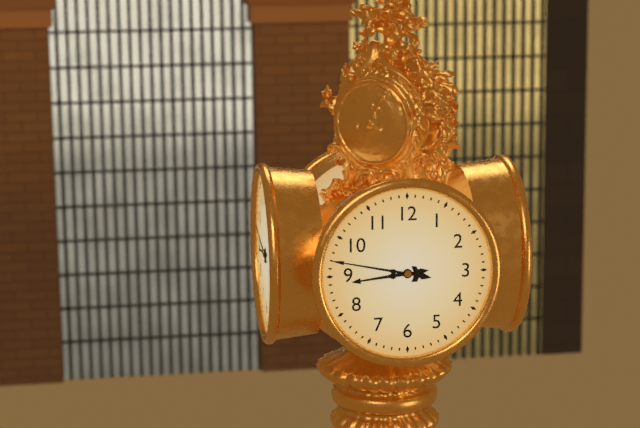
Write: 8 h 47 min
